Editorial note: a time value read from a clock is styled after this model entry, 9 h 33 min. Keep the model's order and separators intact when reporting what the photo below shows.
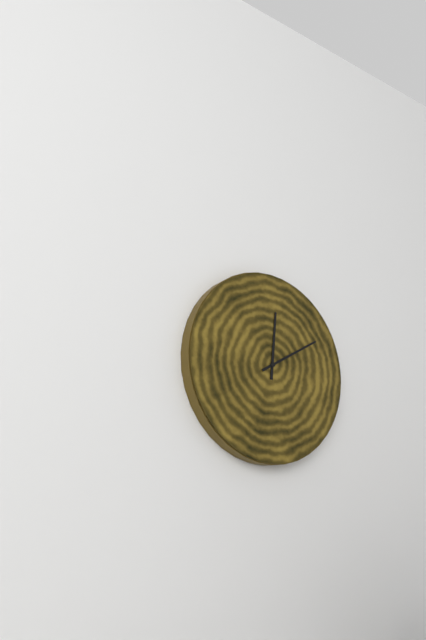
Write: 12 h 10 min
